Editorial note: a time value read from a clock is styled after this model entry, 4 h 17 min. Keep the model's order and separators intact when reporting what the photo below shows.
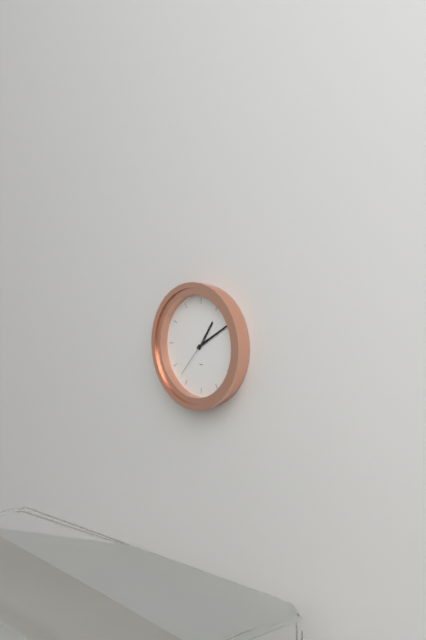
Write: 1 h 10 min
